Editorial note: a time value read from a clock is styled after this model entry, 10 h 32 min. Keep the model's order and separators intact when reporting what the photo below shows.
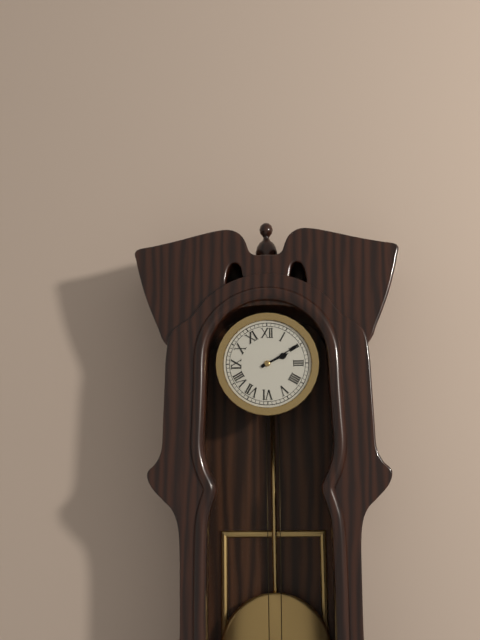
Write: 2 h 10 min
